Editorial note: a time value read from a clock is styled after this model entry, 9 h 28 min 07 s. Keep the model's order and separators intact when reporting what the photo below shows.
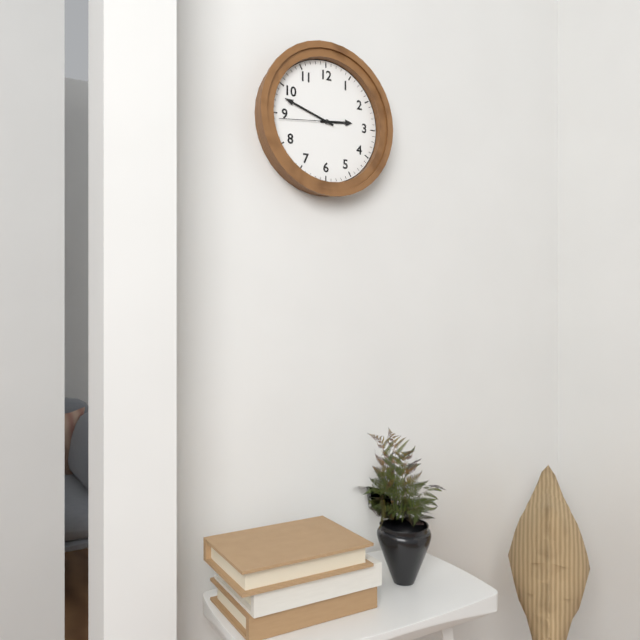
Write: 2 h 48 min 44 s
